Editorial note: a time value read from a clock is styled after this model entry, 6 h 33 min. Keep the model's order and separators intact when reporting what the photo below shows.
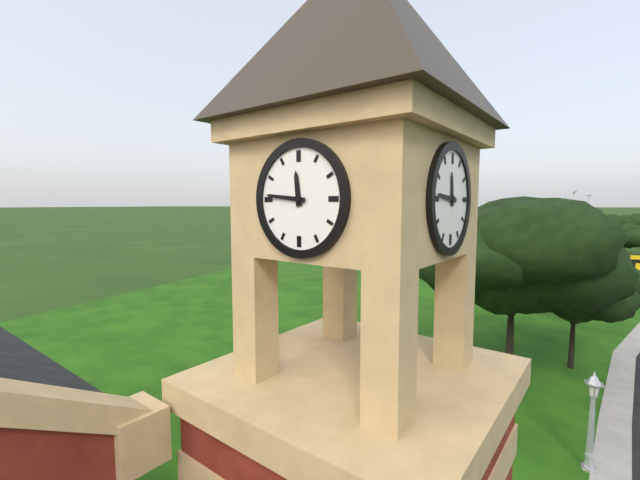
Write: 11 h 46 min
